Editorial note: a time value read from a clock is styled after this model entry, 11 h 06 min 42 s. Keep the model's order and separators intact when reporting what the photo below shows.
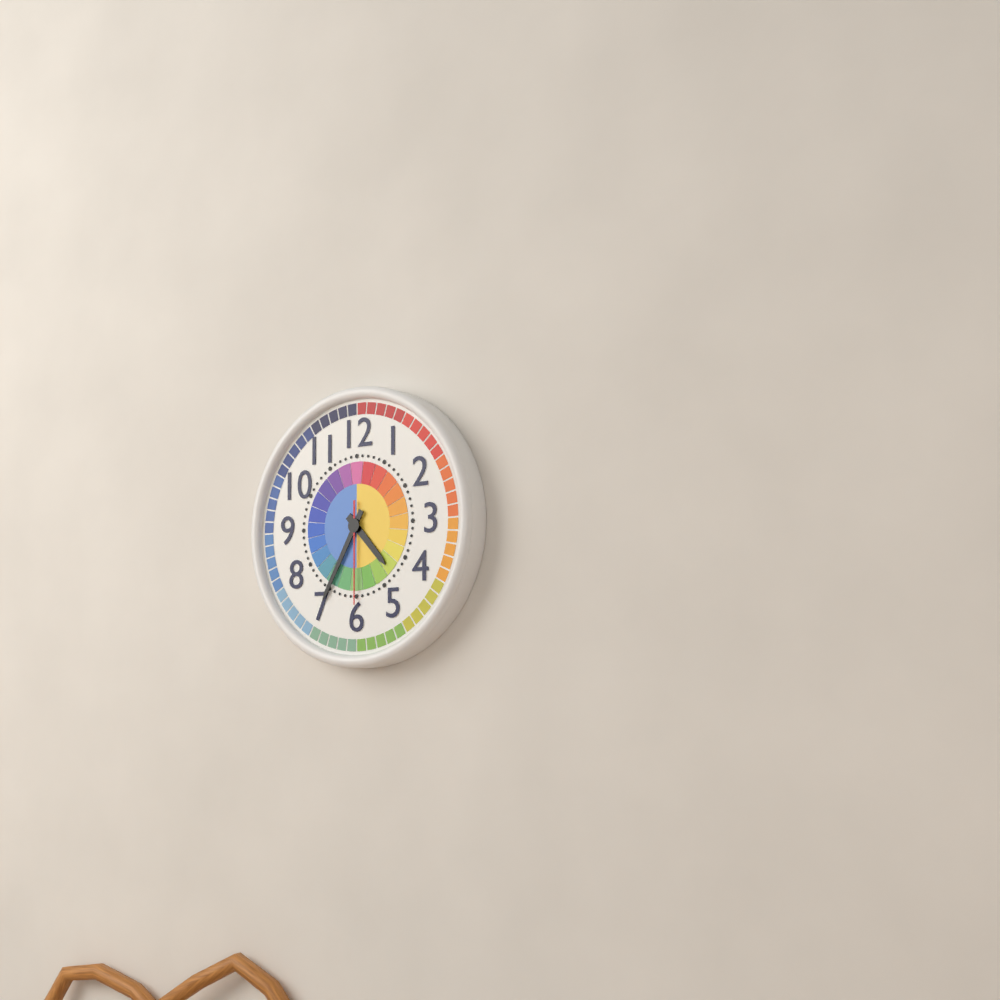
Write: 4 h 35 min 30 s
